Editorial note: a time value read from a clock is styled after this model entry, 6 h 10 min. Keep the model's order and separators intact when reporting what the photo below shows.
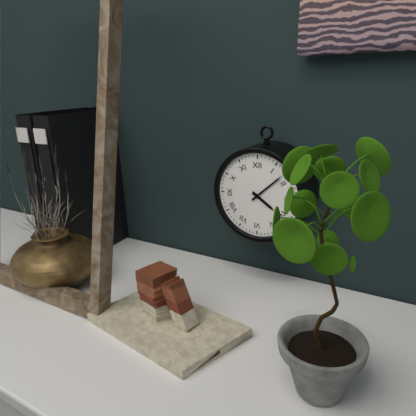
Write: 4 h 08 min
